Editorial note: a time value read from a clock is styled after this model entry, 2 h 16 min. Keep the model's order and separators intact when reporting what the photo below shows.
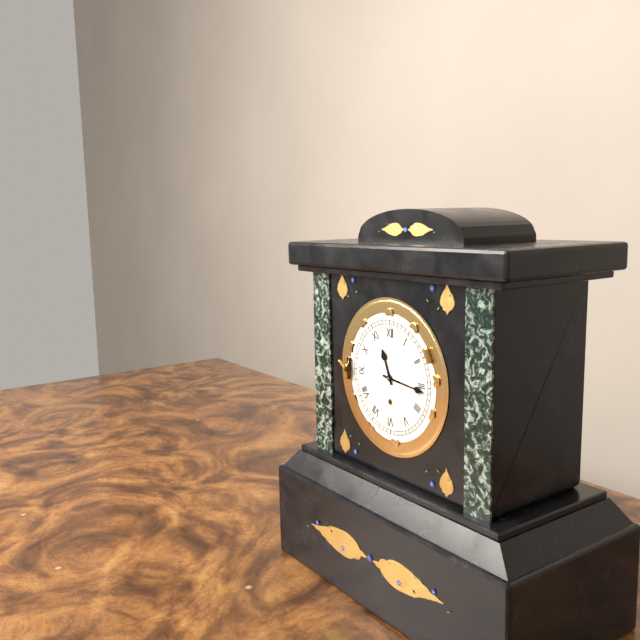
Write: 11 h 16 min
